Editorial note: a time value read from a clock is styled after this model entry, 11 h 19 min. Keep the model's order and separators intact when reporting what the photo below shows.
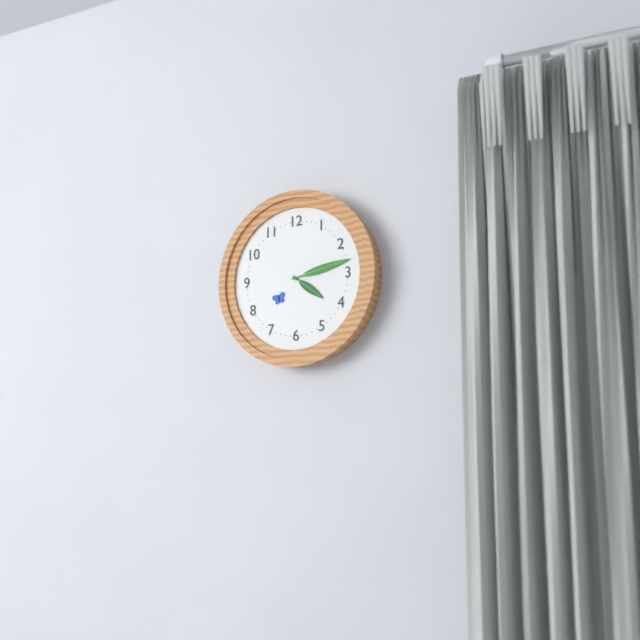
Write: 4 h 13 min
